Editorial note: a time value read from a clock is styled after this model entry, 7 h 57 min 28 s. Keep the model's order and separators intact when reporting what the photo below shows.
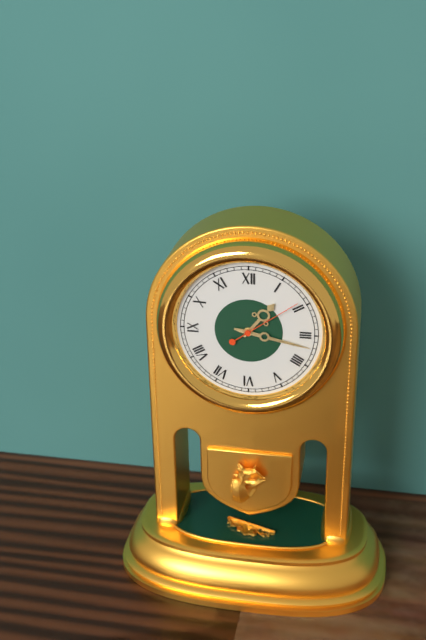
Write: 1 h 17 min 09 s
